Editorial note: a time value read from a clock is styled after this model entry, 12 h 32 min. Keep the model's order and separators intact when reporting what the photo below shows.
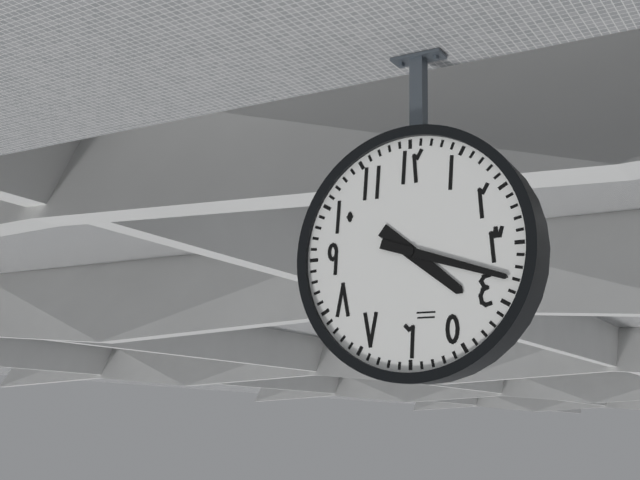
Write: 4 h 18 min
